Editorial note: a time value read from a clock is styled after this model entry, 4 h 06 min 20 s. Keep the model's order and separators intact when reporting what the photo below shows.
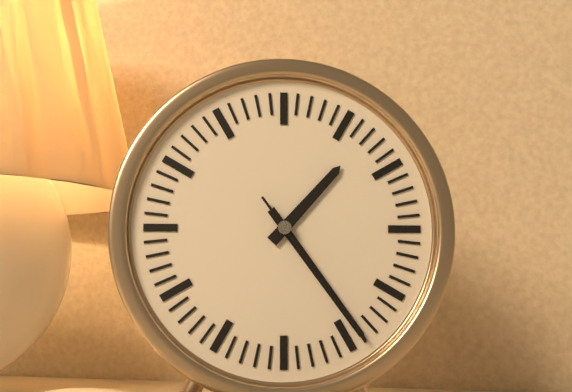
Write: 1 h 24 min 24 s
